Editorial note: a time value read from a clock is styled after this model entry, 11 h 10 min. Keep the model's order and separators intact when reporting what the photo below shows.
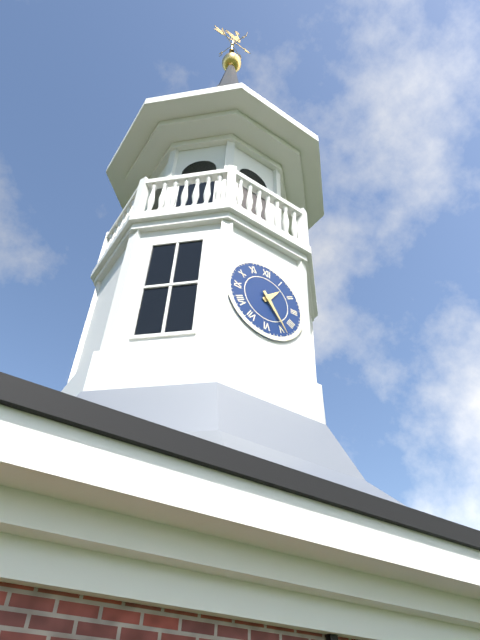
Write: 1 h 24 min
